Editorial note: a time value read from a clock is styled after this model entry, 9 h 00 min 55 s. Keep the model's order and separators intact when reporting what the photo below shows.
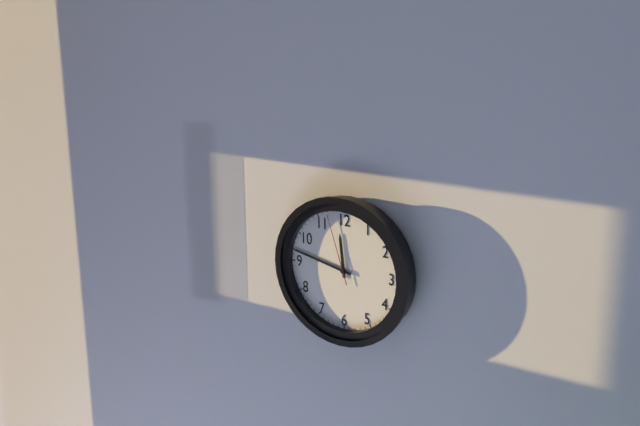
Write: 11 h 47 min 57 s
